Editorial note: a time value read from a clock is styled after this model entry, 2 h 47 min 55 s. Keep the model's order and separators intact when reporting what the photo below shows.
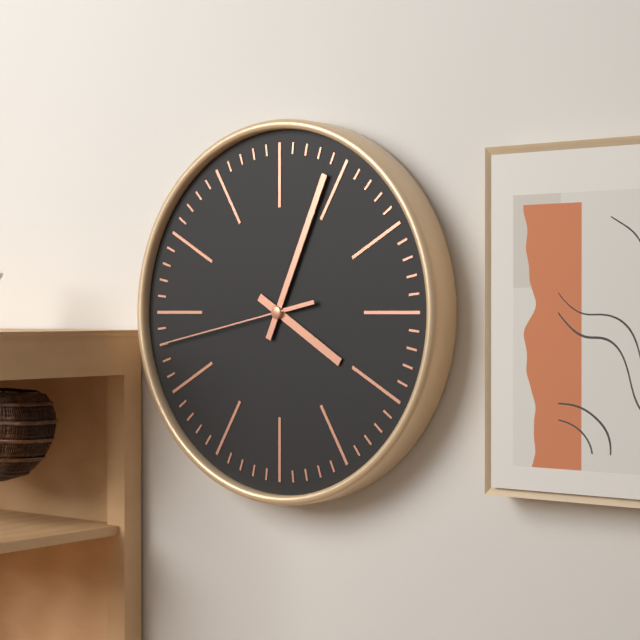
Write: 4 h 04 min 43 s
